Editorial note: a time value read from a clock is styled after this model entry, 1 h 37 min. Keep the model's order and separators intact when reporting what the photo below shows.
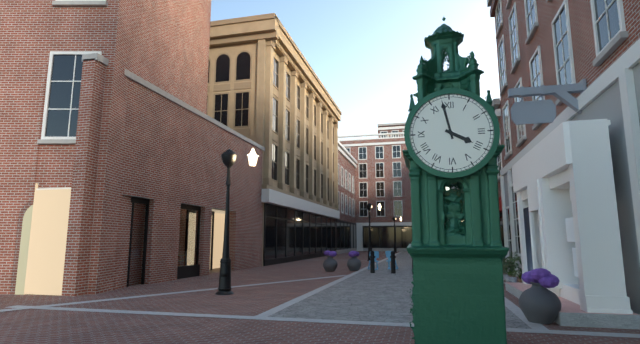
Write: 3 h 58 min
